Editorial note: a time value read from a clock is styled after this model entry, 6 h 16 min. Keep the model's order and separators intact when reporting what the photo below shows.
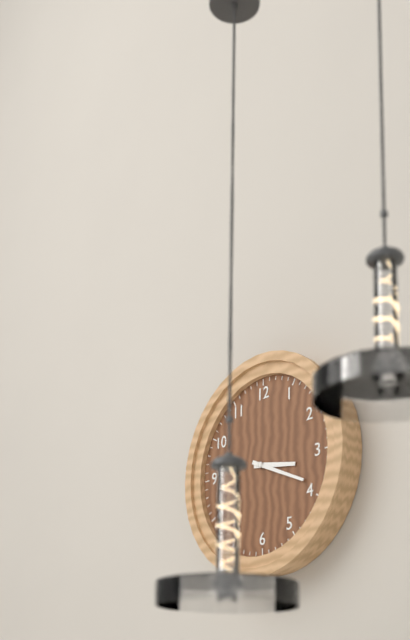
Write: 3 h 19 min
